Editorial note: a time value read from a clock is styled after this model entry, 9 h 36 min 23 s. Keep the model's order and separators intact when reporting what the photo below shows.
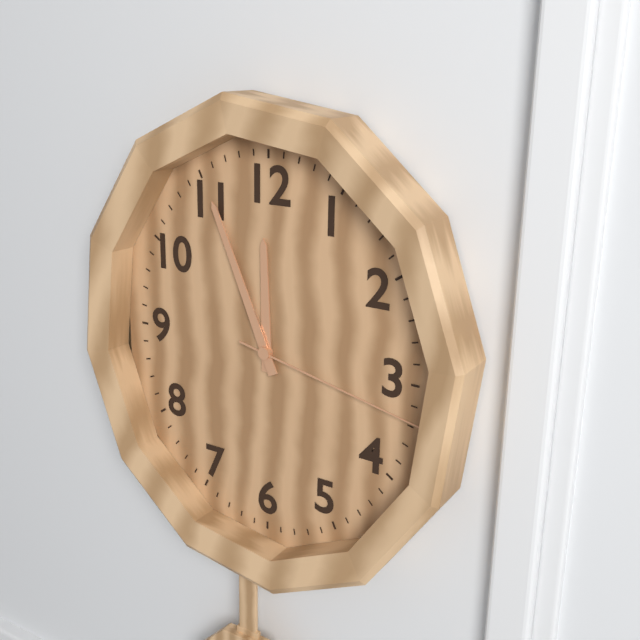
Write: 11 h 56 min 17 s
